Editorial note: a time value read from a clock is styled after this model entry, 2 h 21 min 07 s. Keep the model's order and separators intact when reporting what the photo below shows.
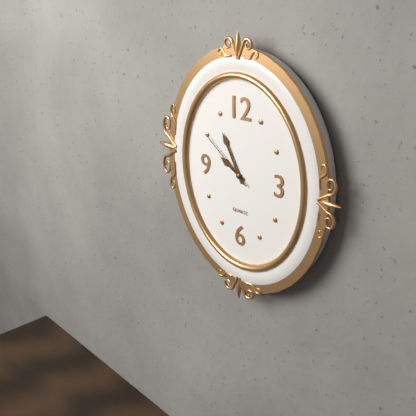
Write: 9 h 55 min 51 s
